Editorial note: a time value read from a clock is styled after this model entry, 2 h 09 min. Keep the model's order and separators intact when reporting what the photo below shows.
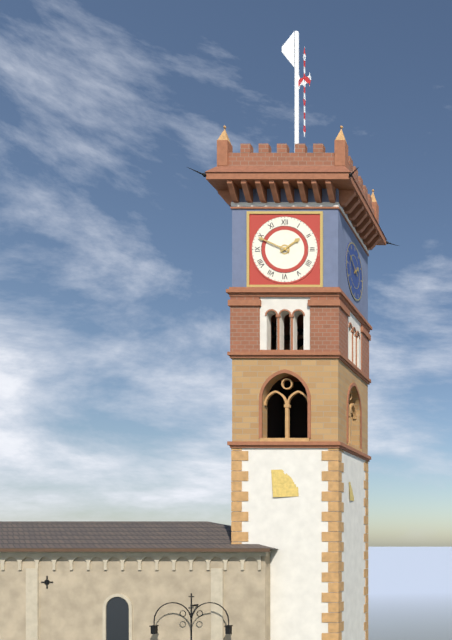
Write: 1 h 49 min
